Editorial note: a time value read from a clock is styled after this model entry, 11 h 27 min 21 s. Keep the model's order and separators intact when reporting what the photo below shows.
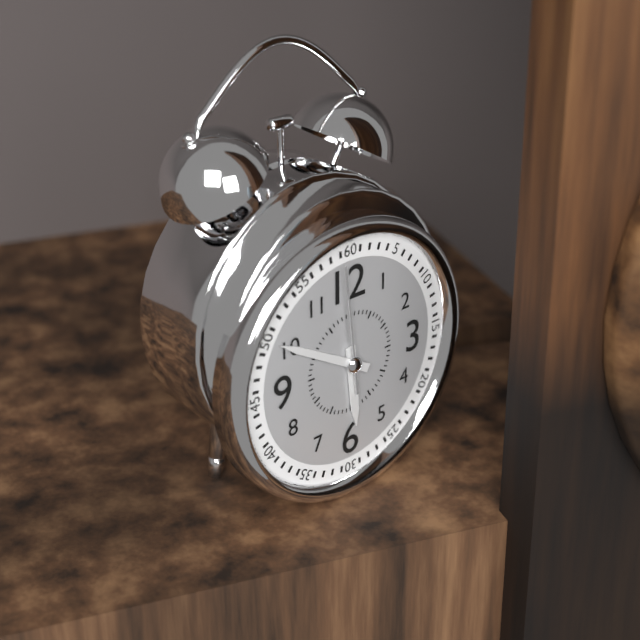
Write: 5 h 50 min 59 s
